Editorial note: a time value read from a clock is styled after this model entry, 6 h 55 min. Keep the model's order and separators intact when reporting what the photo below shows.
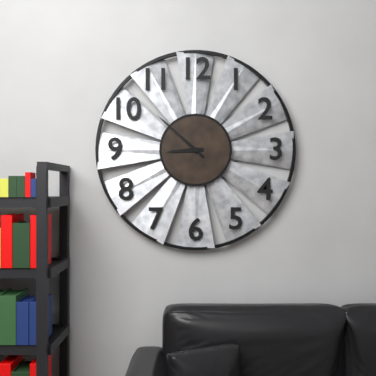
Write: 8 h 52 min
